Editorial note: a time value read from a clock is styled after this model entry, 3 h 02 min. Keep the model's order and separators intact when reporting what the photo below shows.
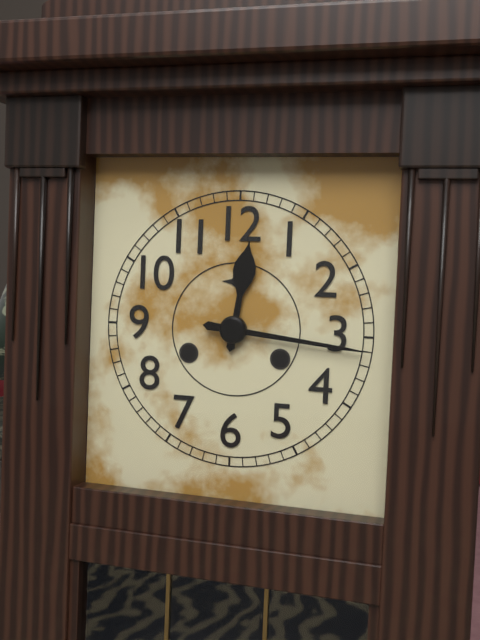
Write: 12 h 16 min
